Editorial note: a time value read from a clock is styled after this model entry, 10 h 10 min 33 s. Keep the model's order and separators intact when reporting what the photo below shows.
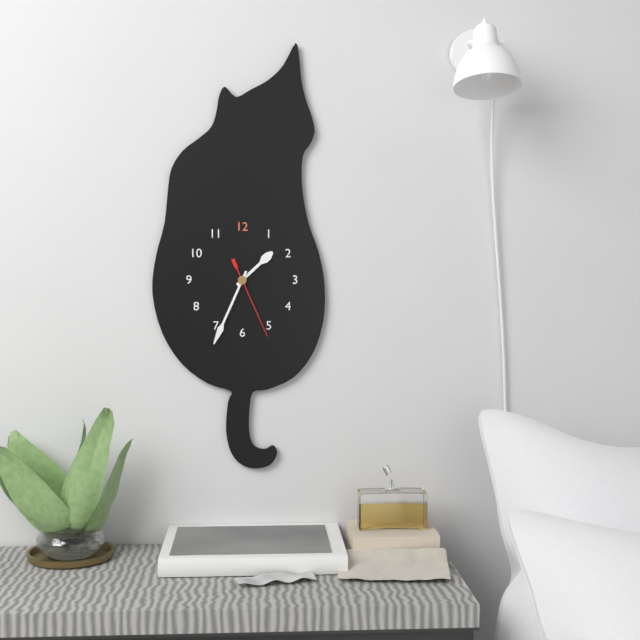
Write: 1 h 34 min 26 s
